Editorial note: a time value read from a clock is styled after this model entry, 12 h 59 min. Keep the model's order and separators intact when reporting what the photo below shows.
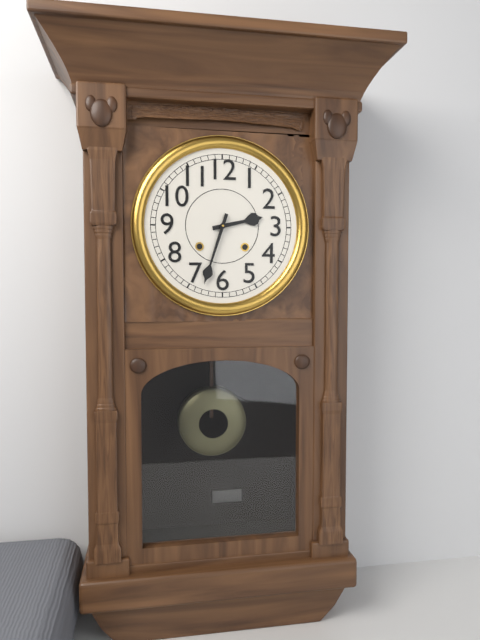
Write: 2 h 33 min
